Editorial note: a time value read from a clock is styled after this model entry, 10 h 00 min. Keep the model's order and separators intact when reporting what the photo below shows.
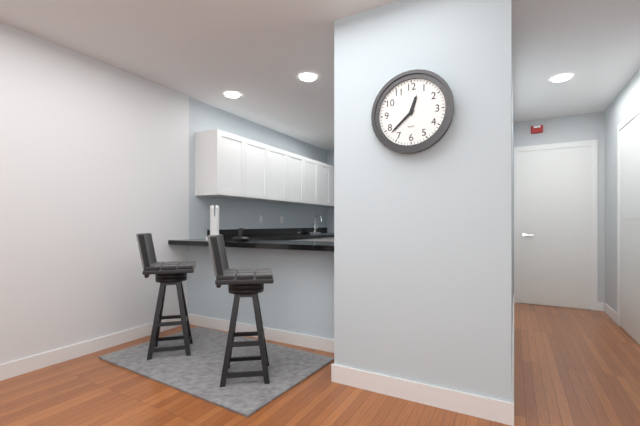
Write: 12 h 38 min
